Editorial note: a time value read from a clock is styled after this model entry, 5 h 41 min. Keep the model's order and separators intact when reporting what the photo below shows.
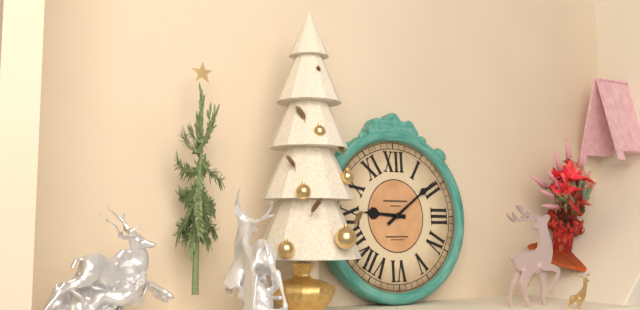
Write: 9 h 09 min
